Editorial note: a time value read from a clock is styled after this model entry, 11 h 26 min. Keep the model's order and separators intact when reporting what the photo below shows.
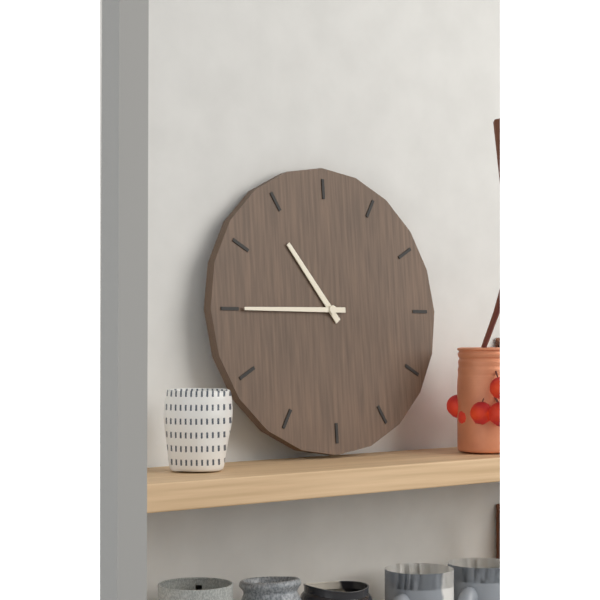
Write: 10 h 45 min
